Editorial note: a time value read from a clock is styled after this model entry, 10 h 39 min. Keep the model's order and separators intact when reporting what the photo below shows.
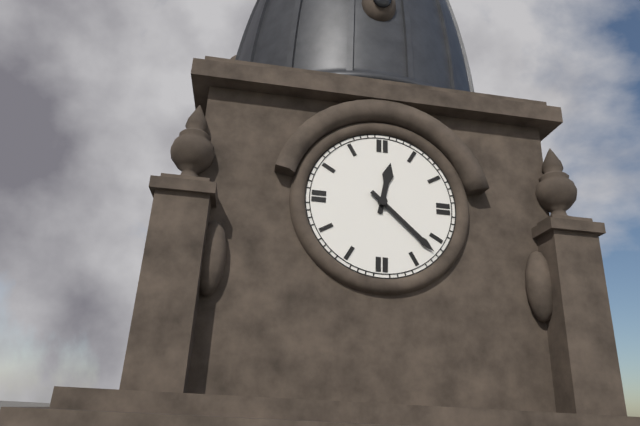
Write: 12 h 22 min
